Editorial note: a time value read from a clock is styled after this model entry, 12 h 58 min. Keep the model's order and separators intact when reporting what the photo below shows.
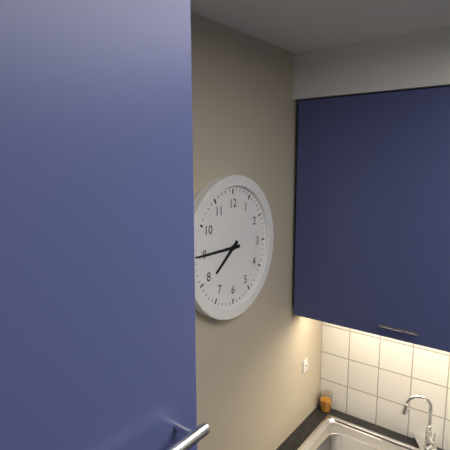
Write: 7 h 45 min
